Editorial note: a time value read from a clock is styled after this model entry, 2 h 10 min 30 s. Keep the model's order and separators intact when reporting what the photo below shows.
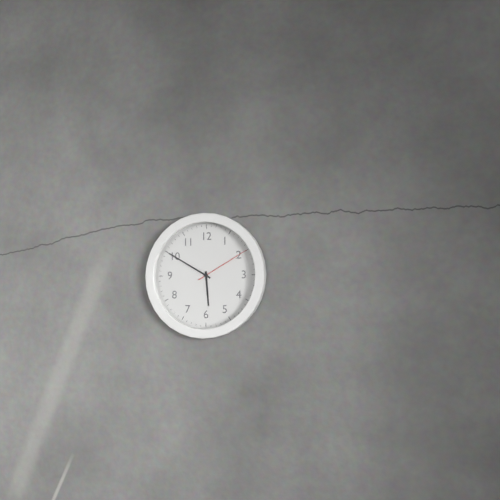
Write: 5 h 50 min 10 s
